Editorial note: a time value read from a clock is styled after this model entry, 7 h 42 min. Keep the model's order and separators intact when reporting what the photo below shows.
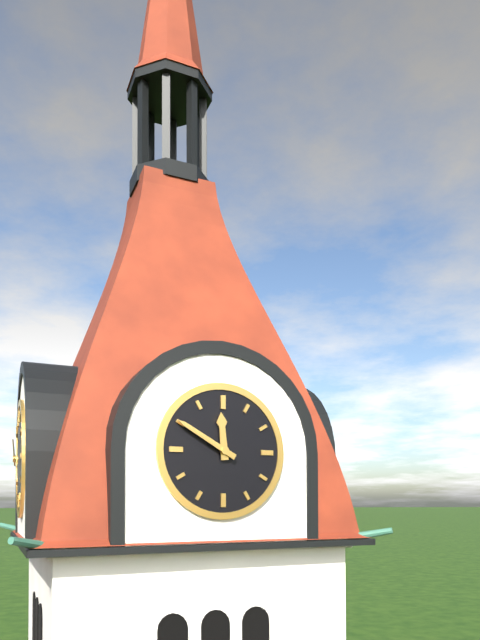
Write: 11 h 50 min
